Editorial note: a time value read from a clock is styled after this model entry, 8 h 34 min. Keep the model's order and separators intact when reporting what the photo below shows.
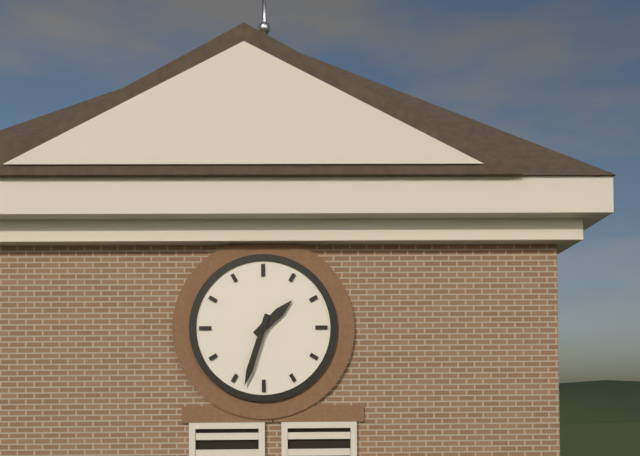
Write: 1 h 33 min
